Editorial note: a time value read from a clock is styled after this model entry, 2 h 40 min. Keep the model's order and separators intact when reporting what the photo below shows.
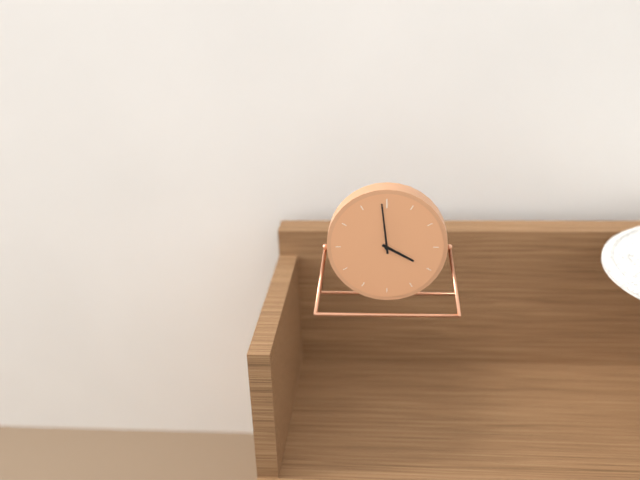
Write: 3 h 59 min
